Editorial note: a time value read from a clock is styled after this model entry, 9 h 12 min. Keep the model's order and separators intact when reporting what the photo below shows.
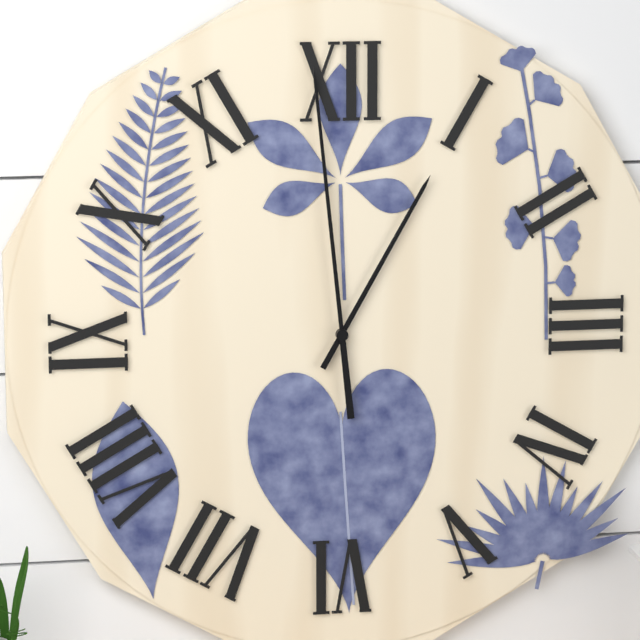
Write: 12 h 59 min
